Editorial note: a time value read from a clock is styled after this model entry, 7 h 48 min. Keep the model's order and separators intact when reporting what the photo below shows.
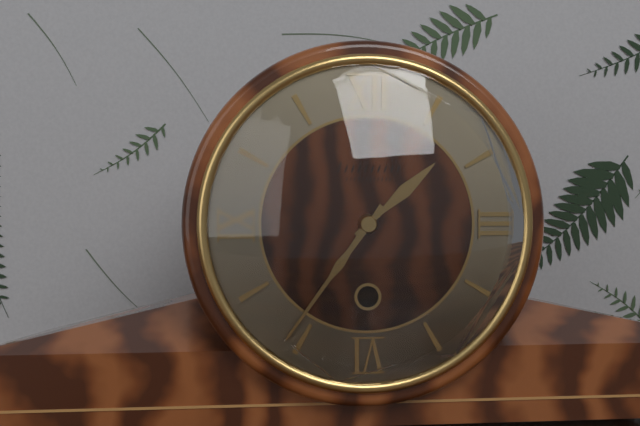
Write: 1 h 36 min
